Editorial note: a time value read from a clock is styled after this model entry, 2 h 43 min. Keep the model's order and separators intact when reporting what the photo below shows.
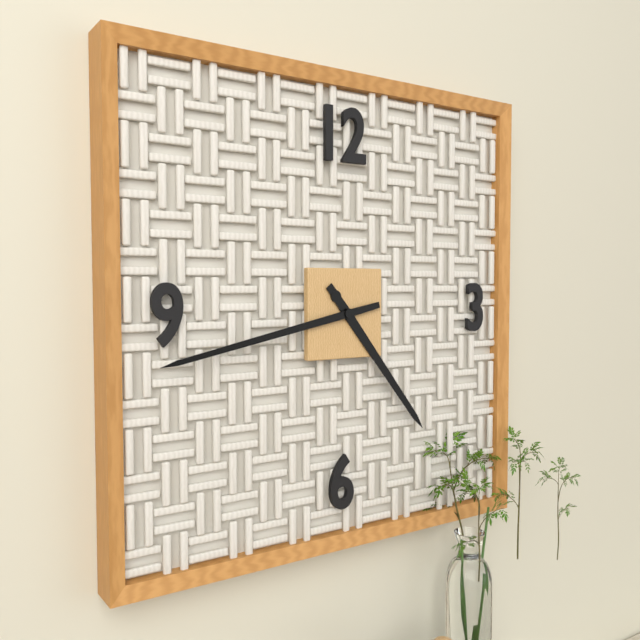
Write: 4 h 43 min
